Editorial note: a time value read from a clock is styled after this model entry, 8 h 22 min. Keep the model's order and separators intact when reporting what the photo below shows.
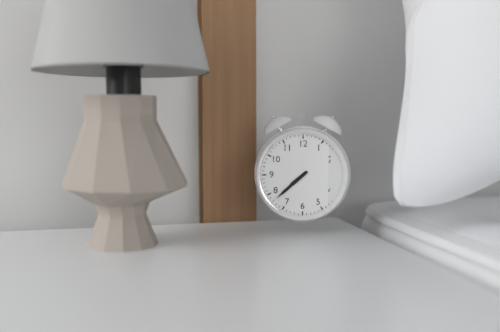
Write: 7 h 38 min
